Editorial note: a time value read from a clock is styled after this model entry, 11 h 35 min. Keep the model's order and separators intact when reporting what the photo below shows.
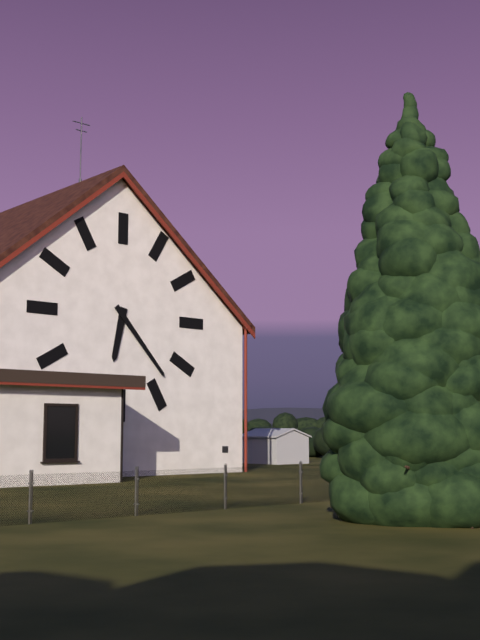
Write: 6 h 23 min
